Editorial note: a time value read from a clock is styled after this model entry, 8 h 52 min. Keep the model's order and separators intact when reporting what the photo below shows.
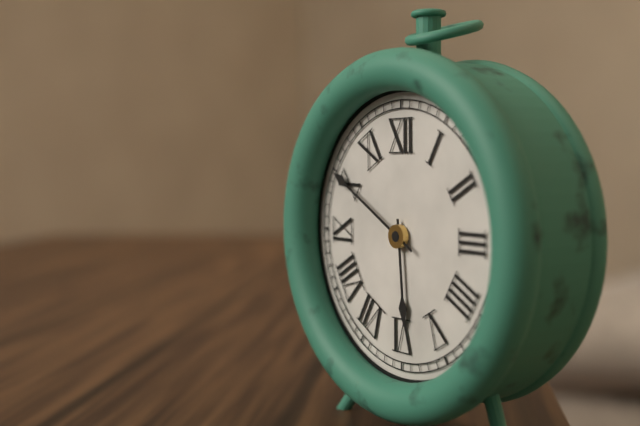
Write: 5 h 50 min
